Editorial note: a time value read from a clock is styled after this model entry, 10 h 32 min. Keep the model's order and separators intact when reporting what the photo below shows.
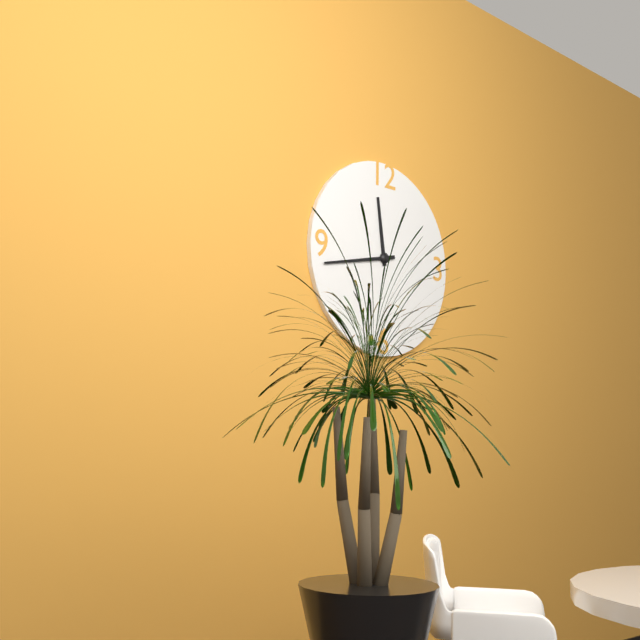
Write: 11 h 43 min
